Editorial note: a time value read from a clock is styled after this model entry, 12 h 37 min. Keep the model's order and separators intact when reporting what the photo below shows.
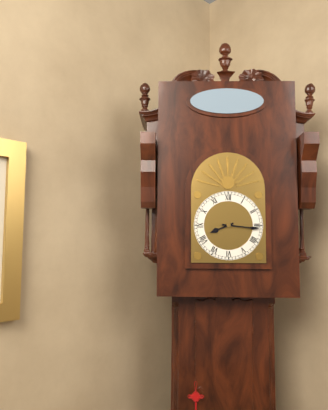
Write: 8 h 16 min
